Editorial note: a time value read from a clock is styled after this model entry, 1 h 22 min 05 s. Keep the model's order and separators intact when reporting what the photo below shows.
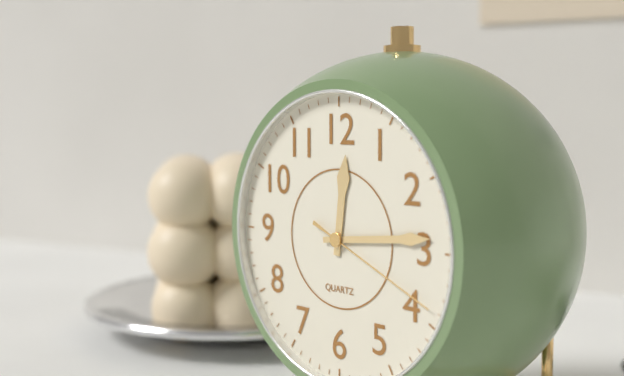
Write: 12 h 14 min 19 s
